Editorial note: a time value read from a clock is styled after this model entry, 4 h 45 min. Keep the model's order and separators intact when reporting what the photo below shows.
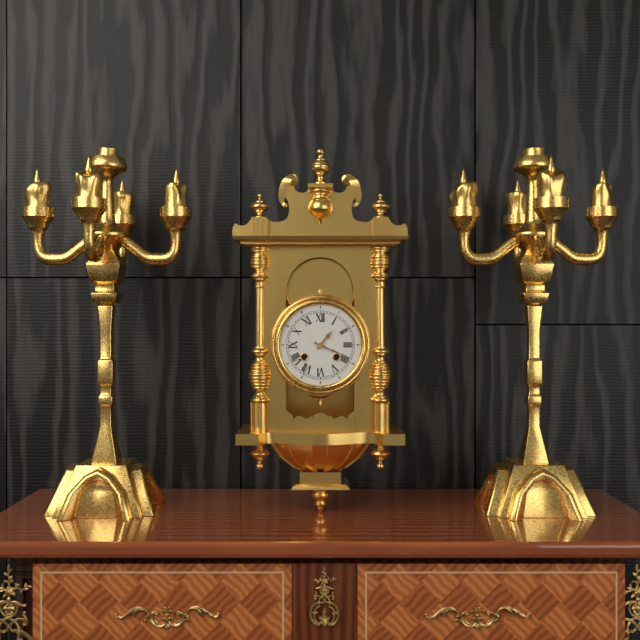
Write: 1 h 19 min
